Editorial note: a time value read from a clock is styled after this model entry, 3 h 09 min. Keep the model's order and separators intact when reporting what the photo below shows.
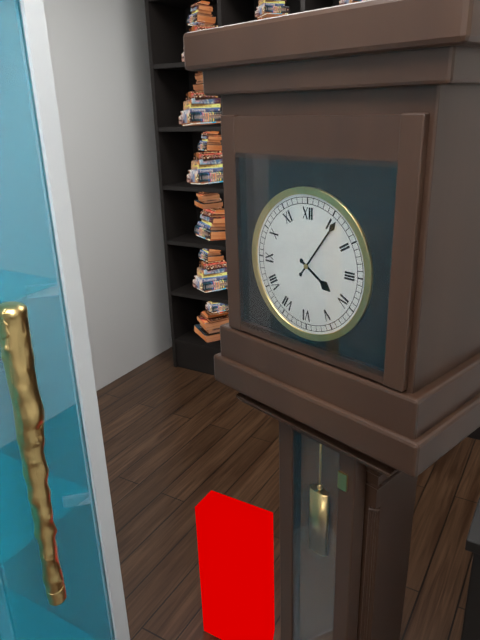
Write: 4 h 06 min
